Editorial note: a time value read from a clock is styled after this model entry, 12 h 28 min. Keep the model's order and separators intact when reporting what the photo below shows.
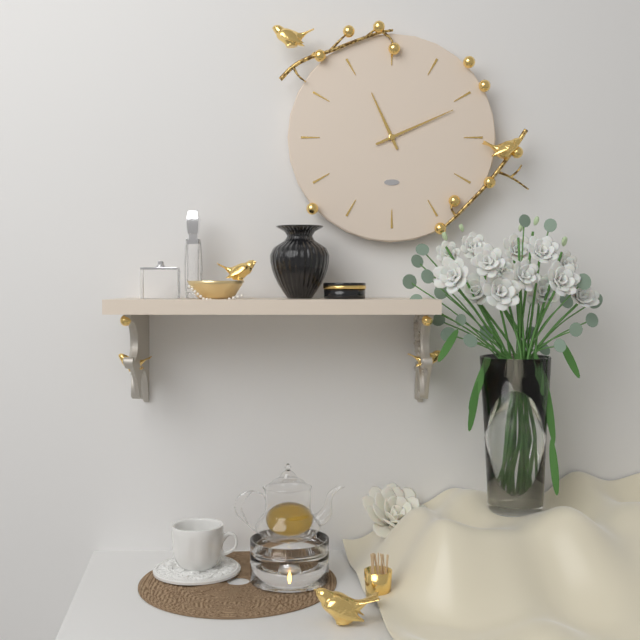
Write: 11 h 11 min
